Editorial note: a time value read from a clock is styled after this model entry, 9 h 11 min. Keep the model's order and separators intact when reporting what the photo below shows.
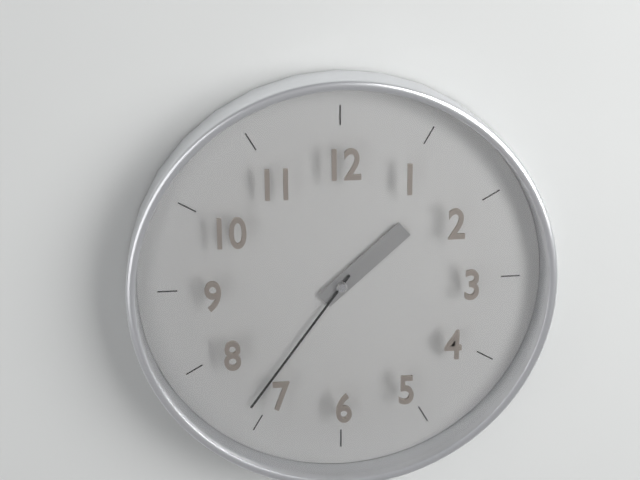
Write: 1 h 36 min
